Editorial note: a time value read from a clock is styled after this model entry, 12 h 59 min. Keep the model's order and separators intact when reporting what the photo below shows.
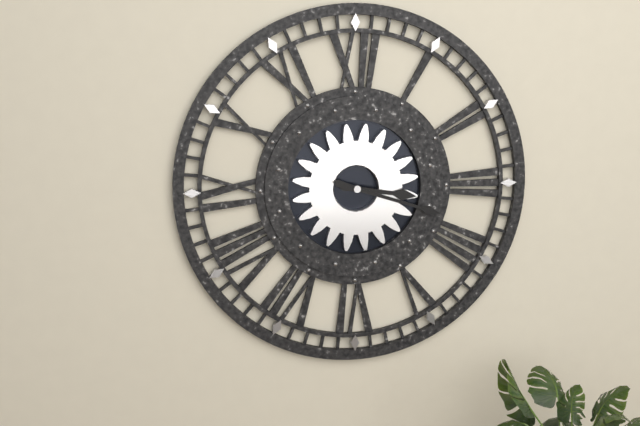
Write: 3 h 18 min
